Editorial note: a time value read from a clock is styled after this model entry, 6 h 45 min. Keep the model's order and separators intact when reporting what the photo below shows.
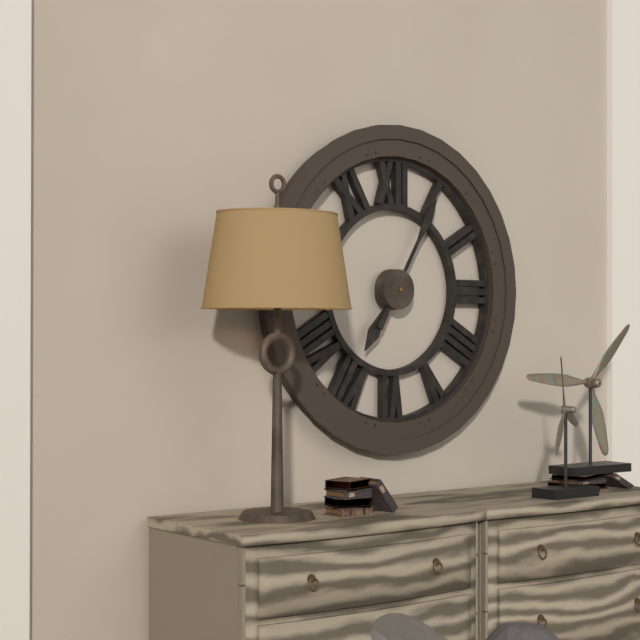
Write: 7 h 05 min
